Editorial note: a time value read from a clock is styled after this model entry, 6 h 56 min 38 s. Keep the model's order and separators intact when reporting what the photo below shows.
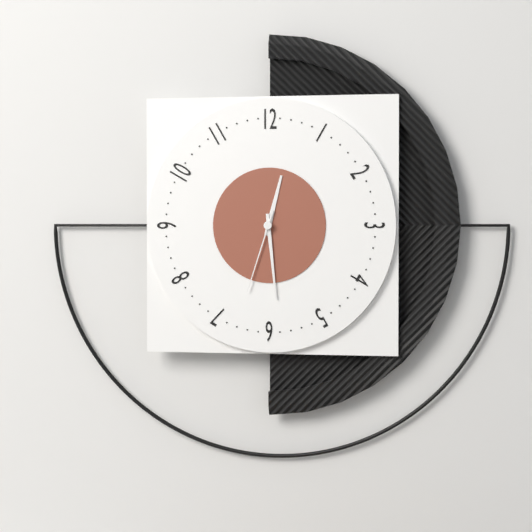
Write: 12 h 29 min 33 s
